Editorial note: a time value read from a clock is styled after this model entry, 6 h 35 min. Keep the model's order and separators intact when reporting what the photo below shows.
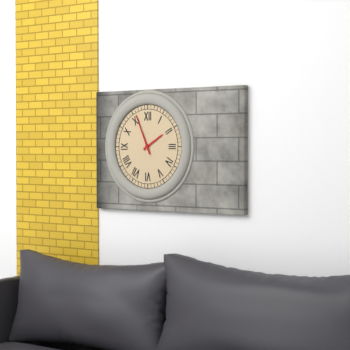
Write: 1 h 56 min
